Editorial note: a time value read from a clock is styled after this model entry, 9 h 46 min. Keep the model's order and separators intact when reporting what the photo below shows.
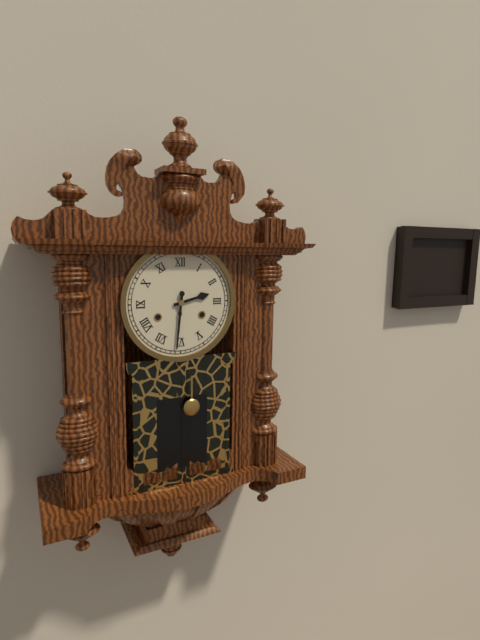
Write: 2 h 31 min
